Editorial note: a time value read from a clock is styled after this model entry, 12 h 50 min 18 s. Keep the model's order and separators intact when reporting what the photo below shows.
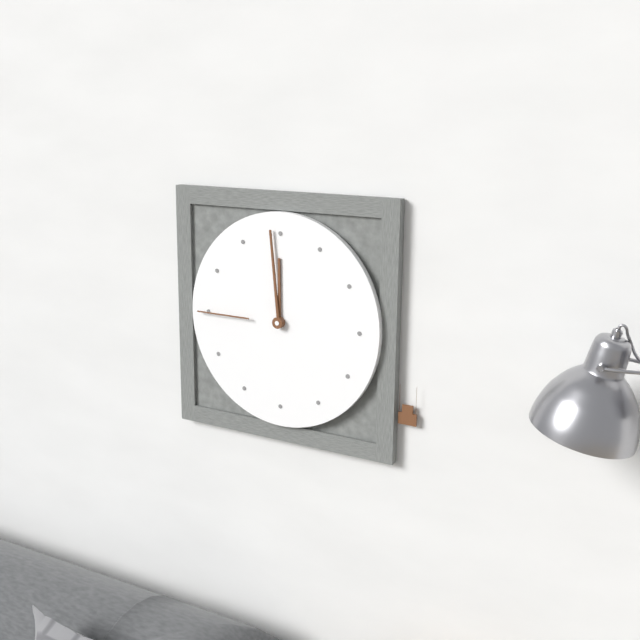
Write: 11 h 59 min 45 s
